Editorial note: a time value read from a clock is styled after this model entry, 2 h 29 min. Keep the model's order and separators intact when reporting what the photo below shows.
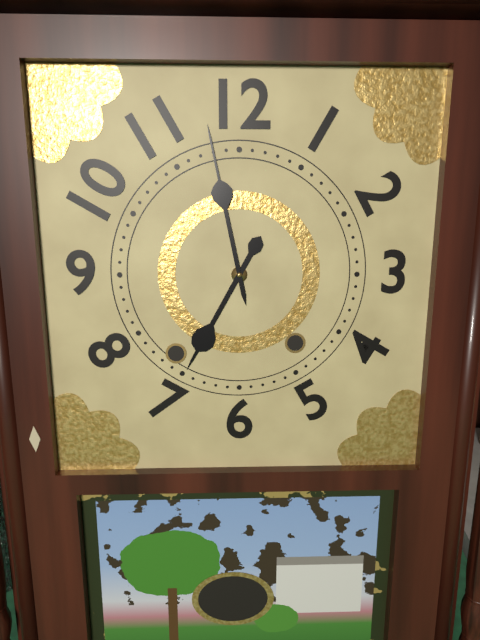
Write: 6 h 58 min
